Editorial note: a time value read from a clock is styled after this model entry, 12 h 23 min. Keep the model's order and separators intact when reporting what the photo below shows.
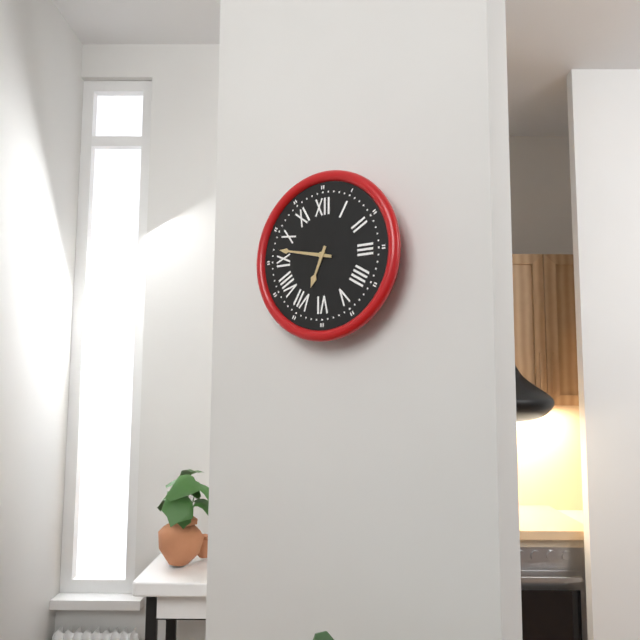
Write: 6 h 47 min
